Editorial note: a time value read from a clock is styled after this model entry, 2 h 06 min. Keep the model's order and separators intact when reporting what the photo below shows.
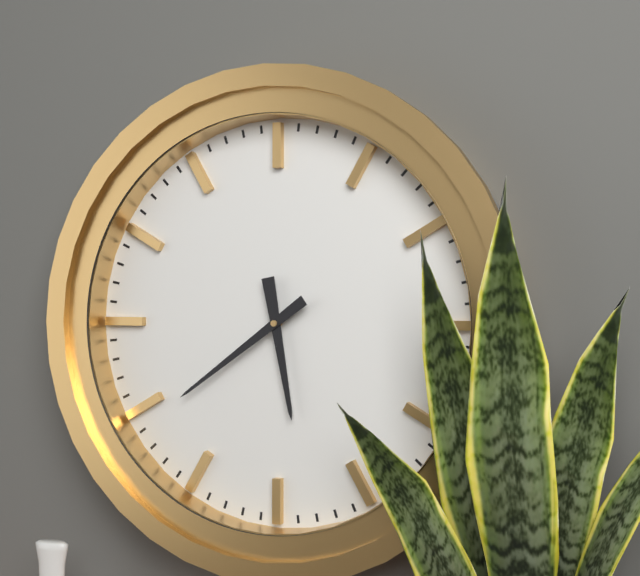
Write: 5 h 39 min
